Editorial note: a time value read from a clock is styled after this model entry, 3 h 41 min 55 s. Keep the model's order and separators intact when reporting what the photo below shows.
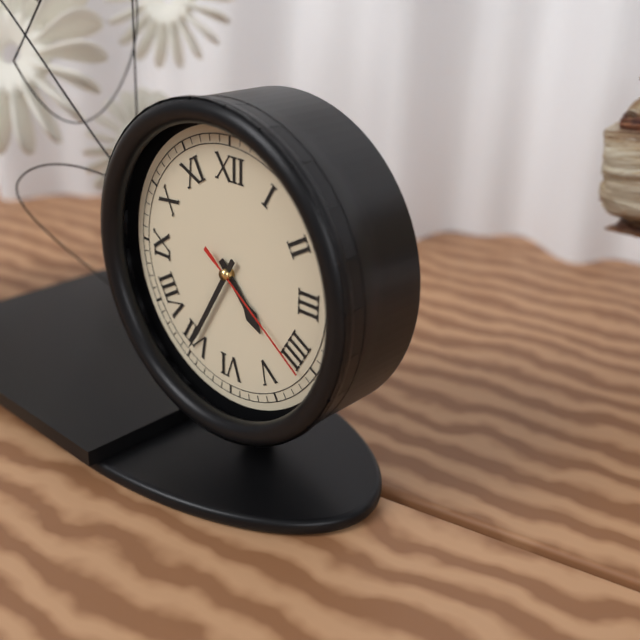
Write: 4 h 35 min 21 s
